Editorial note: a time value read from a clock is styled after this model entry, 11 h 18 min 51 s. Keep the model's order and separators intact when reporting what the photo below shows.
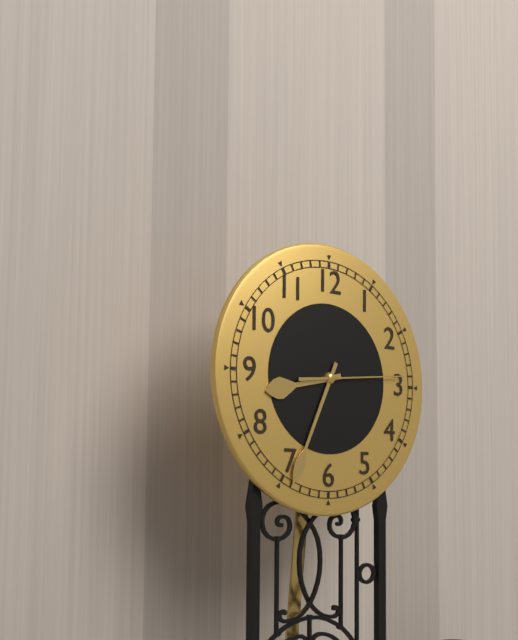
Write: 8 h 34 min 14 s
